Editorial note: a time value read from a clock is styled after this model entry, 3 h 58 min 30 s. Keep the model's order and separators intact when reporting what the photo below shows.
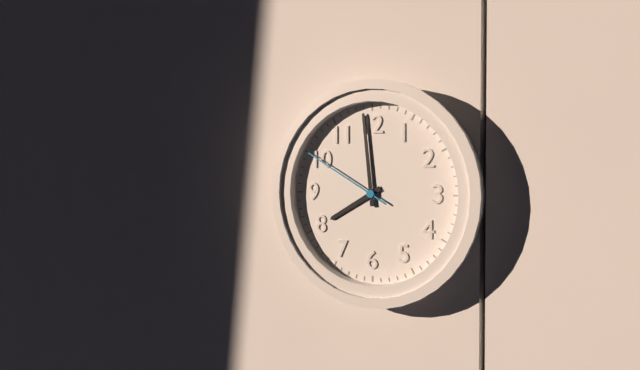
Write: 7 h 59 min 50 s
